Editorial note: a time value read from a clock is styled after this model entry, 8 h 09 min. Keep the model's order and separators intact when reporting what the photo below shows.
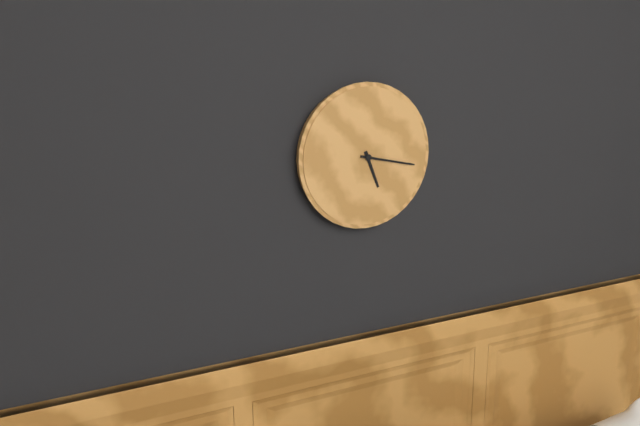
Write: 5 h 17 min
